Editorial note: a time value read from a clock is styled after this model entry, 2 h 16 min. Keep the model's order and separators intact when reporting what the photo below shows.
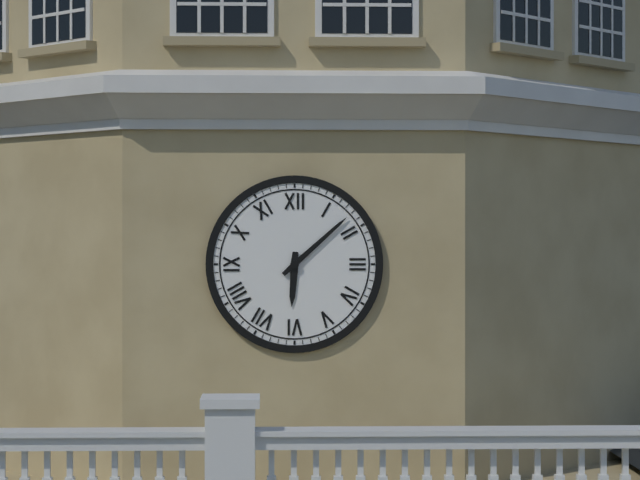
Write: 6 h 08 min
